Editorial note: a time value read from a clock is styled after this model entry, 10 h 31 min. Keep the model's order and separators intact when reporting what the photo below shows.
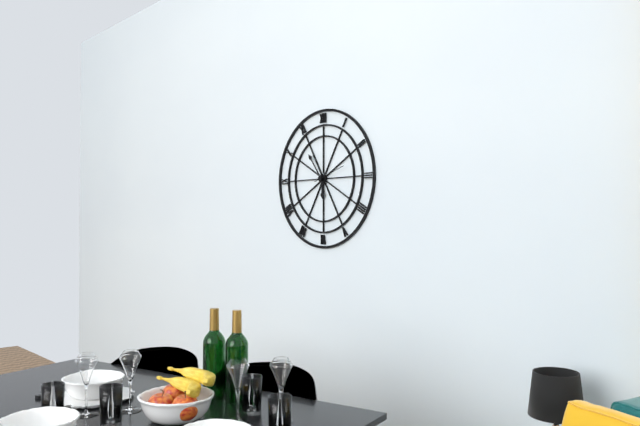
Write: 5 h 54 min
